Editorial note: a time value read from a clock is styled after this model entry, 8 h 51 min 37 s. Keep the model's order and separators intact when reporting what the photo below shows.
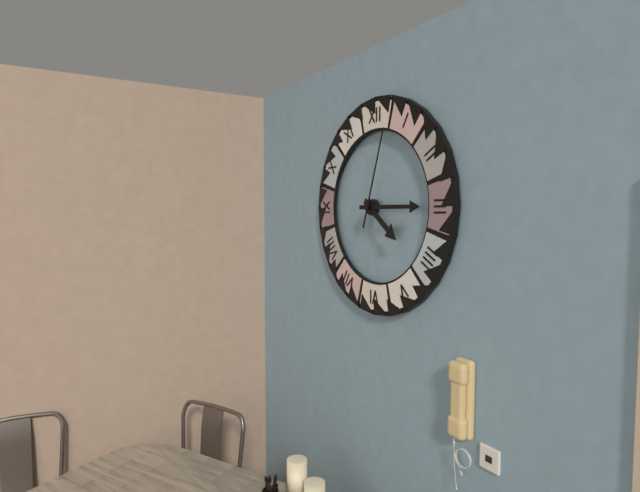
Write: 4 h 15 min 03 s
